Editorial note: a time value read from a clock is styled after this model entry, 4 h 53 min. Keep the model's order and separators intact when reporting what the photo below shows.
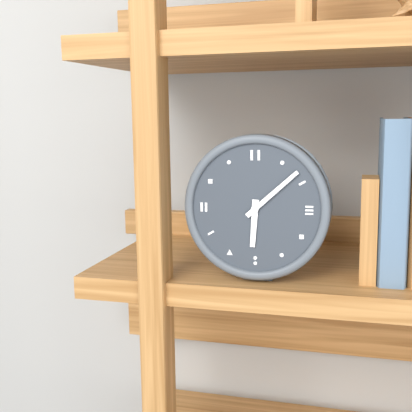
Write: 6 h 08 min
